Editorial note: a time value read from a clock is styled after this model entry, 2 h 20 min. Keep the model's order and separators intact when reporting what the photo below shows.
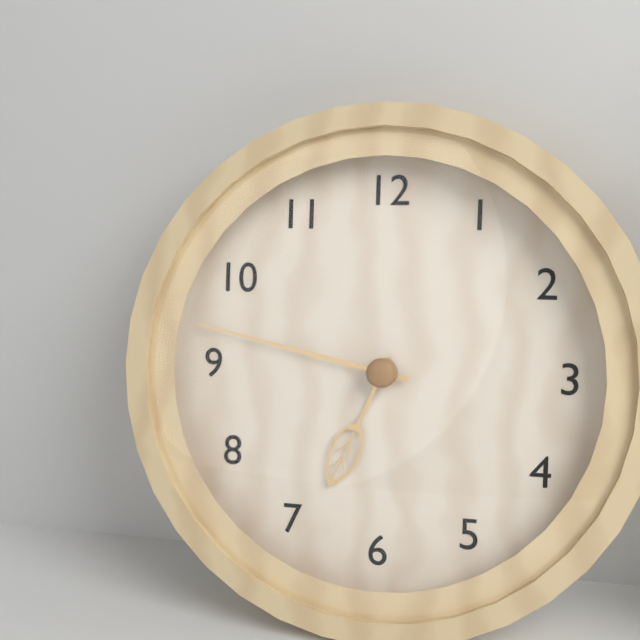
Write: 6 h 47 min
